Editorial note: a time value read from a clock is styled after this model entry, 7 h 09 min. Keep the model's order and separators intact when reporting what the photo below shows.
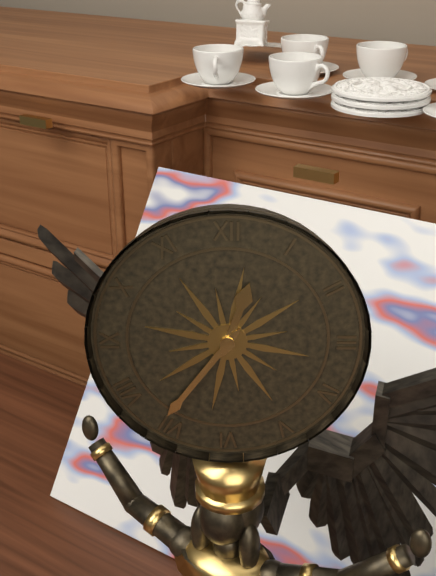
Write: 12 h 36 min
